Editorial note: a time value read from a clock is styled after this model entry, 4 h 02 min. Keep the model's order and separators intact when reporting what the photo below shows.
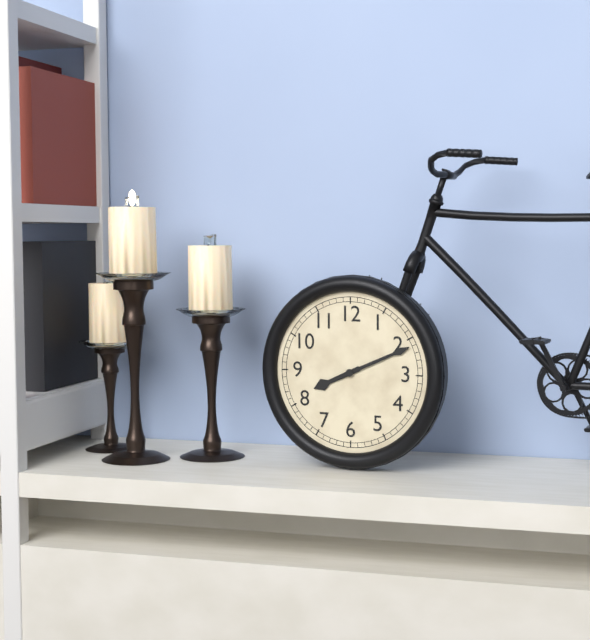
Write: 8 h 11 min
